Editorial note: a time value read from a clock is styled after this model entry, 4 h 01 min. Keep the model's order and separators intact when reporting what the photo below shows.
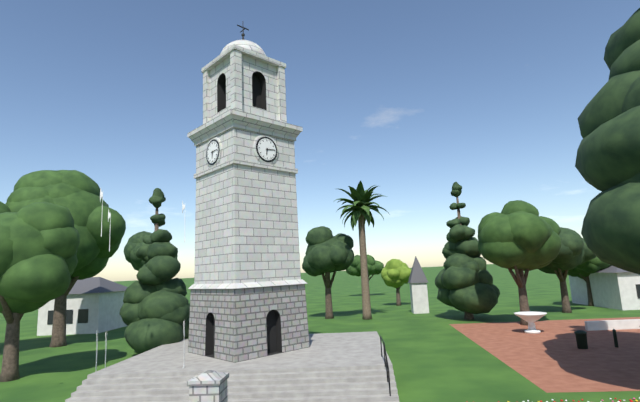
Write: 6 h 14 min
